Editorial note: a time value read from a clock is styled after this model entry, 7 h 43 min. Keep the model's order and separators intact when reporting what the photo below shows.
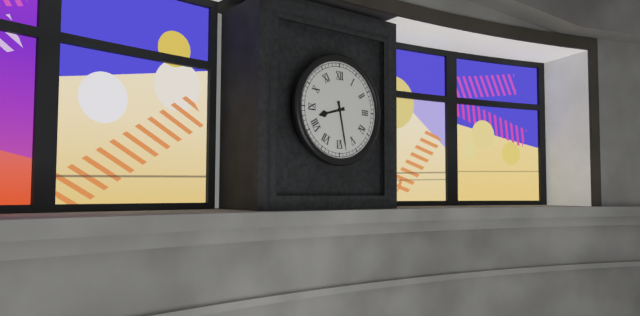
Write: 8 h 28 min
